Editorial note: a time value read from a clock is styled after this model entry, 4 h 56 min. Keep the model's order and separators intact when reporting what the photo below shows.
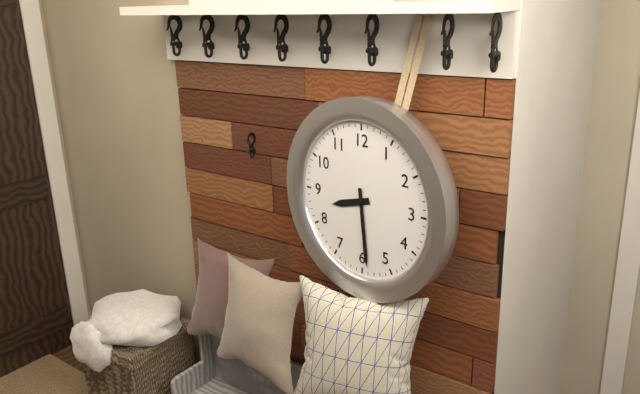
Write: 8 h 29 min
